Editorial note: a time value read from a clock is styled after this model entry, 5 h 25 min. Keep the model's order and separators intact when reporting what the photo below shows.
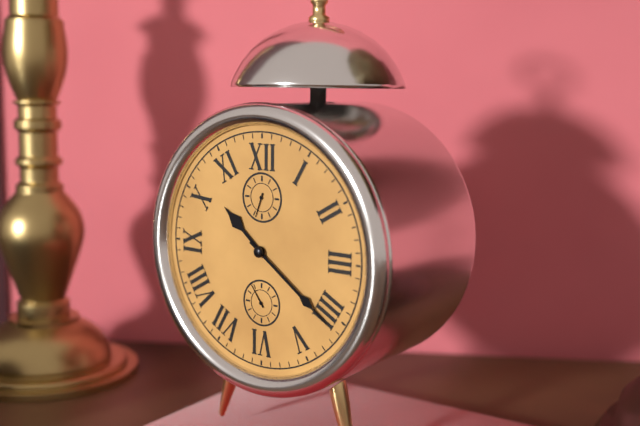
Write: 10 h 21 min
